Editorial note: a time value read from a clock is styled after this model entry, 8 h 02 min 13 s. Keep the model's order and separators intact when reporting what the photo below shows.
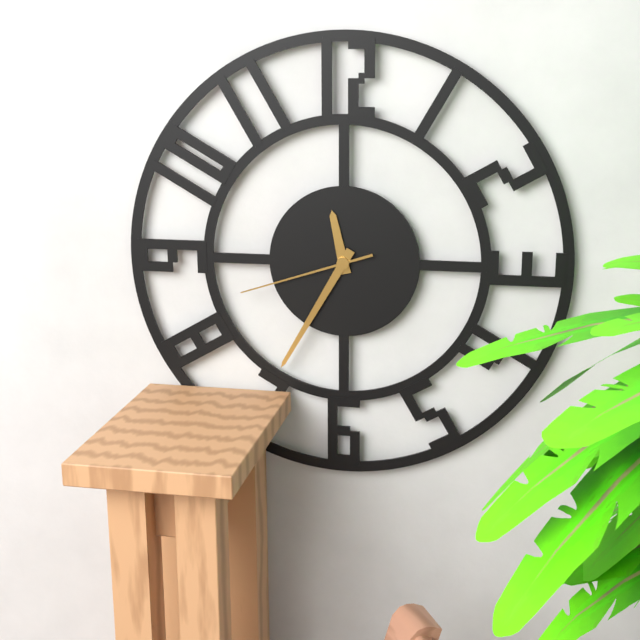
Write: 11 h 35 min 42 s
